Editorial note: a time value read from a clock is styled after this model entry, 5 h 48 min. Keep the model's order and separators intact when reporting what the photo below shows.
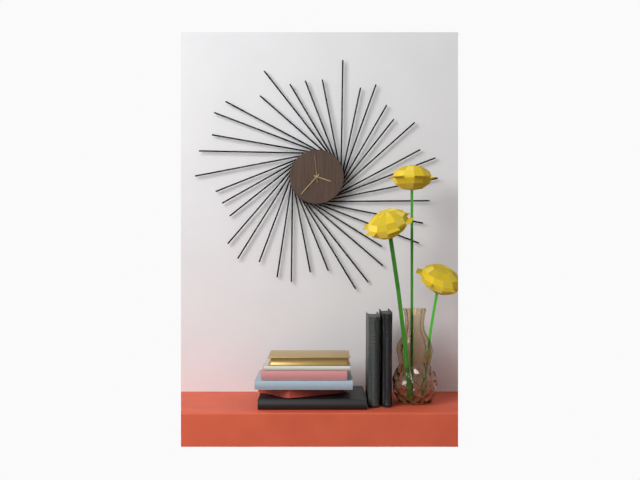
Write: 3 h 37 min
